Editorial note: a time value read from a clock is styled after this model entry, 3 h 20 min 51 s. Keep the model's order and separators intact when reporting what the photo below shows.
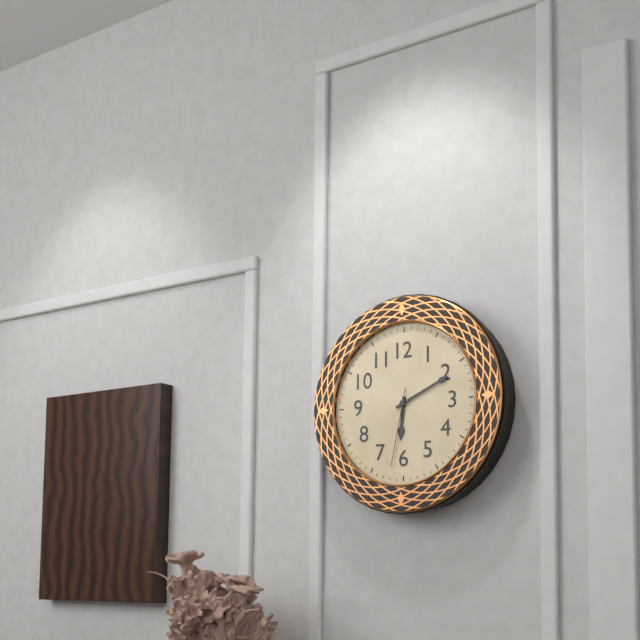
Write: 6 h 11 min 32 s
